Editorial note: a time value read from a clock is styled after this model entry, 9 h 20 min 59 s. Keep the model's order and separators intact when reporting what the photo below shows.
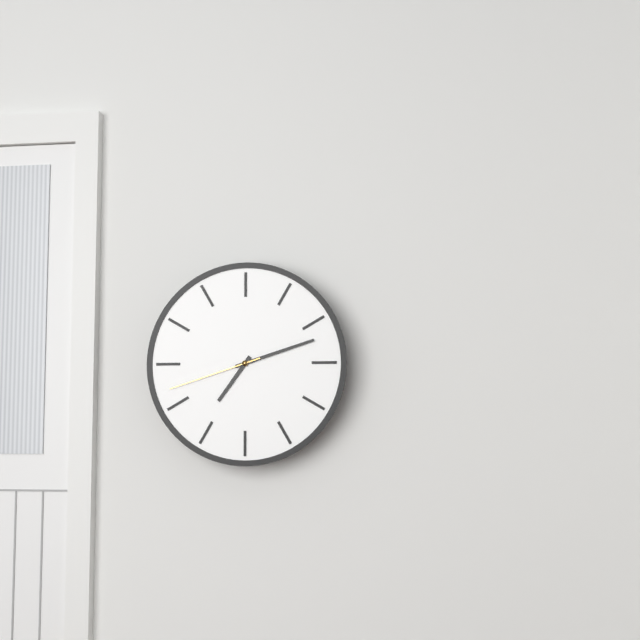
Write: 7 h 12 min 42 s
